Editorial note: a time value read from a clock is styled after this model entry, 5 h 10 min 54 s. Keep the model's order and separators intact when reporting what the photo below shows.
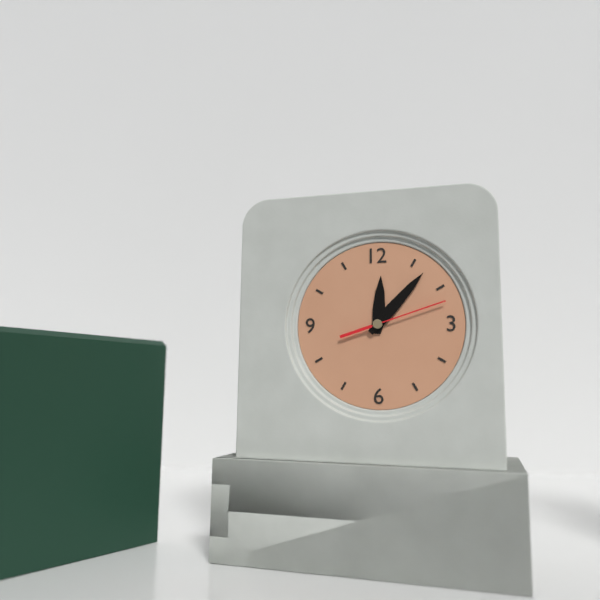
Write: 12 h 07 min 12 s
